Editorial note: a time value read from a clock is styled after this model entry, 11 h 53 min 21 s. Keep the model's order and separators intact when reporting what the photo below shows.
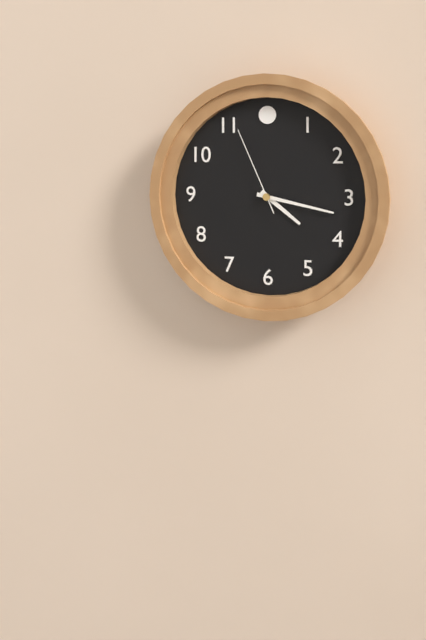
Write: 4 h 17 min 56 s
